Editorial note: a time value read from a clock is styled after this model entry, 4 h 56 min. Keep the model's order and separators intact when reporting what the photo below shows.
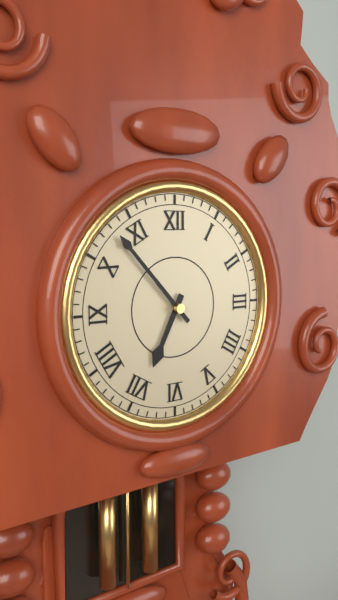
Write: 6 h 53 min
